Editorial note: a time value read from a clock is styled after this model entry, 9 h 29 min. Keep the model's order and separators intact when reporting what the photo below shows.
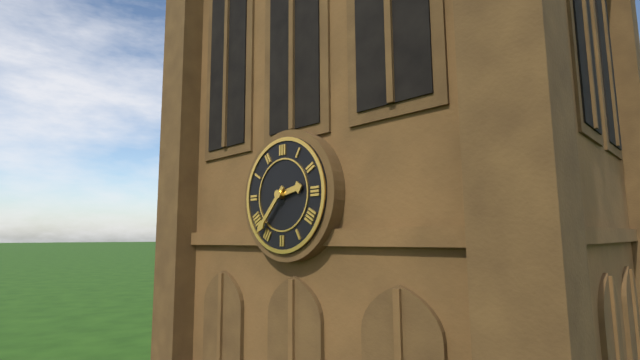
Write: 2 h 37 min
